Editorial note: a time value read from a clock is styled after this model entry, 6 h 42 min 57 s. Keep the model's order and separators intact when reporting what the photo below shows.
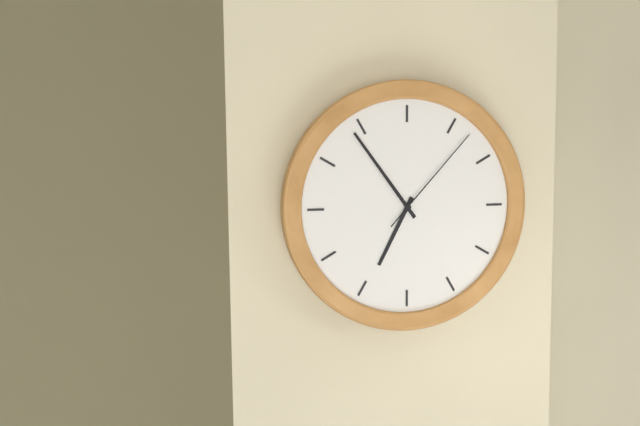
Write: 6 h 54 min 07 s
